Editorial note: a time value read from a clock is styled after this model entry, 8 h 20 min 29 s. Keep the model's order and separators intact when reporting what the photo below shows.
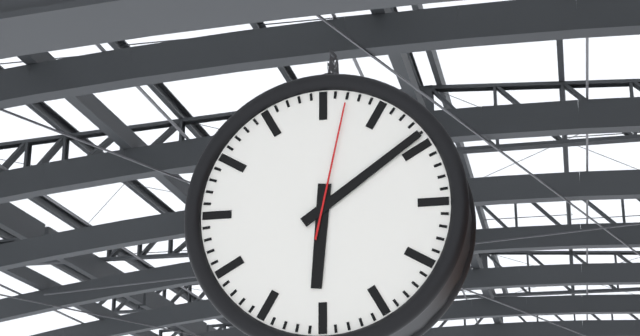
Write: 6 h 09 min 02 s
